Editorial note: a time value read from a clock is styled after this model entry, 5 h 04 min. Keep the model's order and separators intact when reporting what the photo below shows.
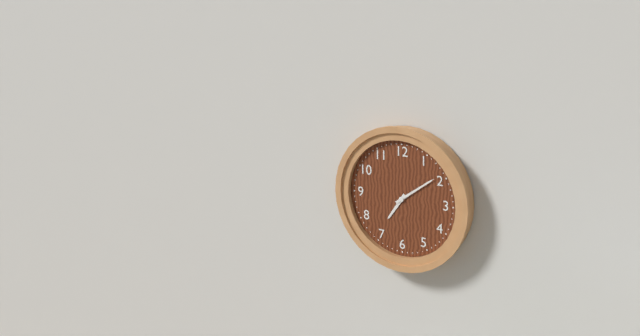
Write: 7 h 09 min
